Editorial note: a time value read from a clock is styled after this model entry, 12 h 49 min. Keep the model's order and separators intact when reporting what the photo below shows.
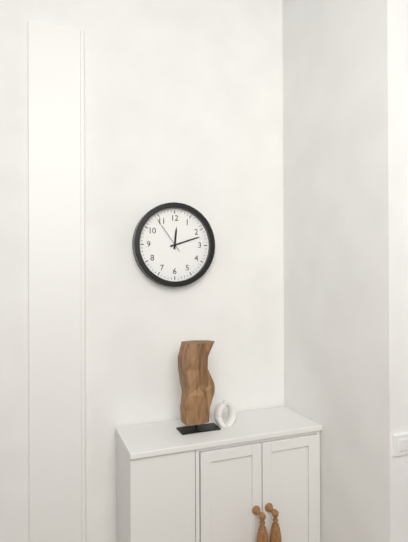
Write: 12 h 12 min
